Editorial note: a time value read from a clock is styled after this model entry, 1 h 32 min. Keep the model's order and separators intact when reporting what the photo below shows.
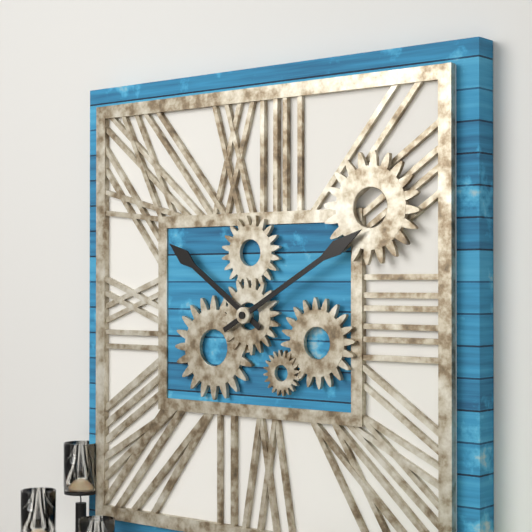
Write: 10 h 10 min
